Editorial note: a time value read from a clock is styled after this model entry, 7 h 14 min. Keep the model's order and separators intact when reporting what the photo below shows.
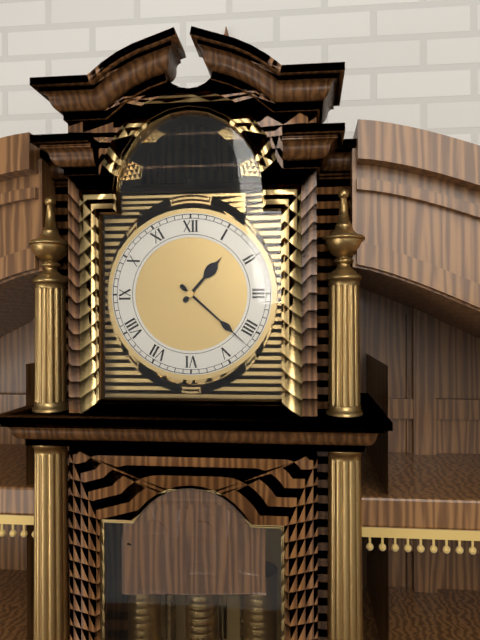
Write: 1 h 22 min
